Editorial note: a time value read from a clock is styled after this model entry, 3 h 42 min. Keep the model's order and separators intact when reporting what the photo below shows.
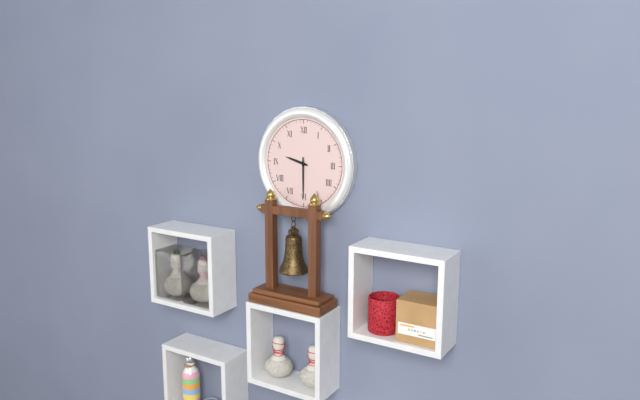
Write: 9 h 30 min
